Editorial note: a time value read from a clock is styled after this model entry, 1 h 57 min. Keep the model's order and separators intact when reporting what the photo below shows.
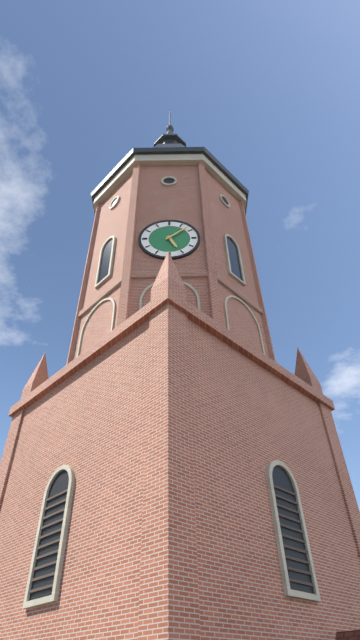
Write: 5 h 08 min
